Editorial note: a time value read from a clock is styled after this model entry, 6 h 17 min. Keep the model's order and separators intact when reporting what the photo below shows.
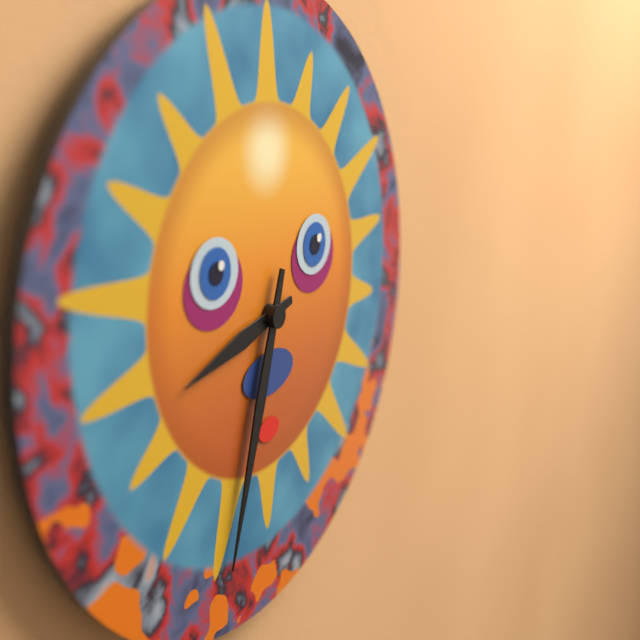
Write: 8 h 33 min
